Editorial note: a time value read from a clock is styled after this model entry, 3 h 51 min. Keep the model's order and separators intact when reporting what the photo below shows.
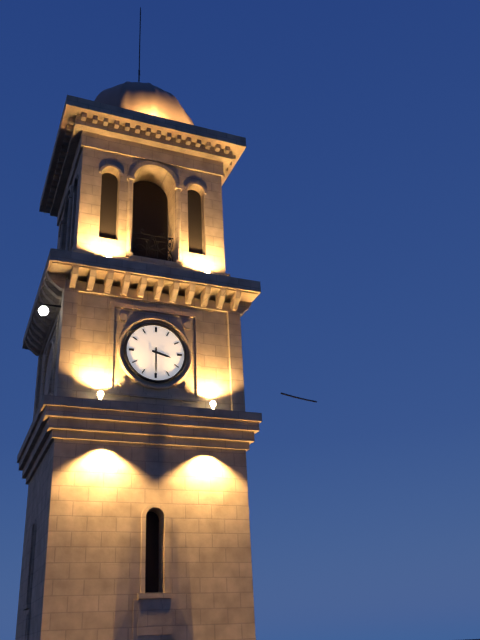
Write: 3 h 30 min
